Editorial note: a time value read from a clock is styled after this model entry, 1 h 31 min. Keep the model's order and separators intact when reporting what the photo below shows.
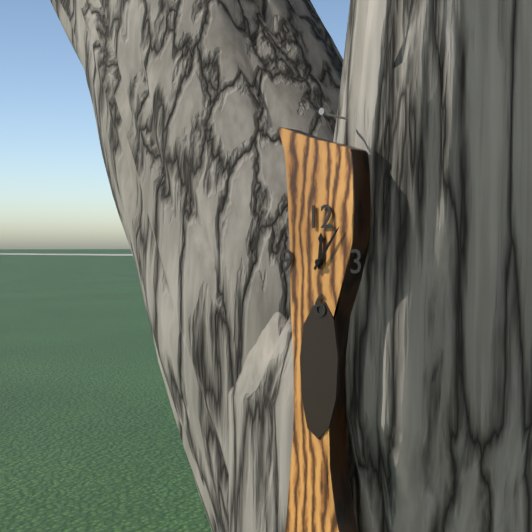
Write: 12 h 06 min
